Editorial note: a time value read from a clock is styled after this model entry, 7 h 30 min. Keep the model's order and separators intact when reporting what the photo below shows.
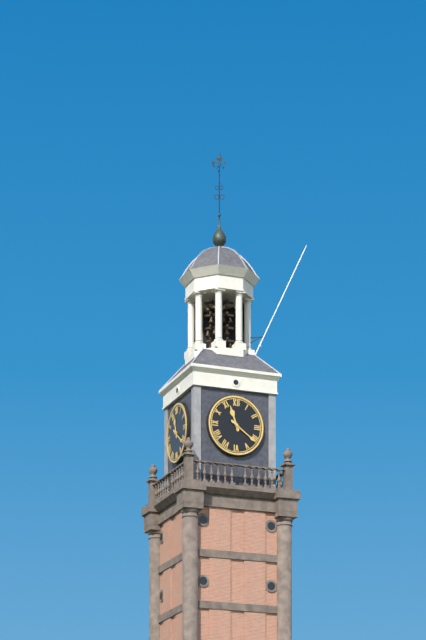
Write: 11 h 21 min
